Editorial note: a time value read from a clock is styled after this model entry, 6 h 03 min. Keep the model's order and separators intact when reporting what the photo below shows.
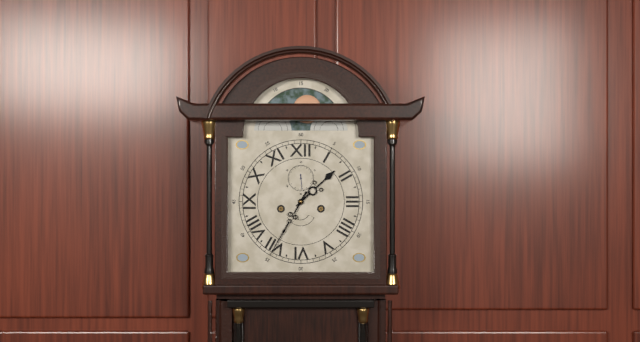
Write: 1 h 35 min
